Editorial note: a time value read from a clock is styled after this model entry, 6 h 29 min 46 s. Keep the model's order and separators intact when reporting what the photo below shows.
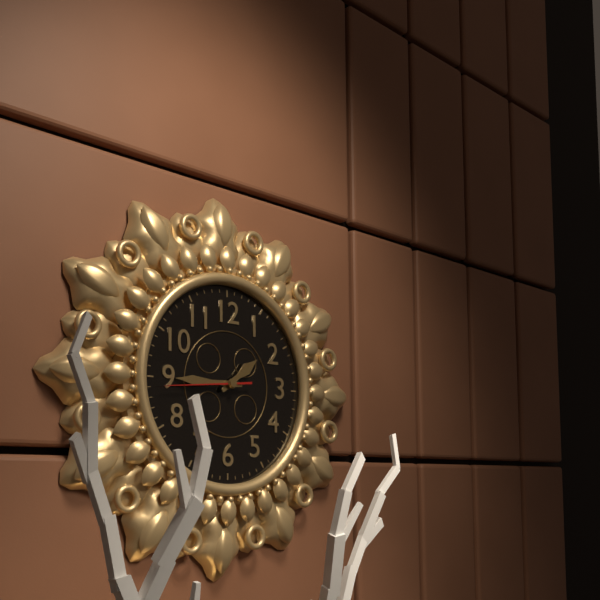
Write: 1 h 45 min 44 s
